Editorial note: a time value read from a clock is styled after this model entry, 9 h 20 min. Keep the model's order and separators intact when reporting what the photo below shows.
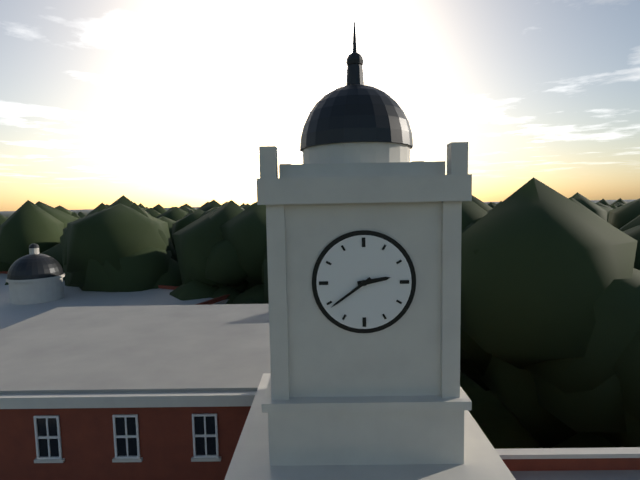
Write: 2 h 39 min
